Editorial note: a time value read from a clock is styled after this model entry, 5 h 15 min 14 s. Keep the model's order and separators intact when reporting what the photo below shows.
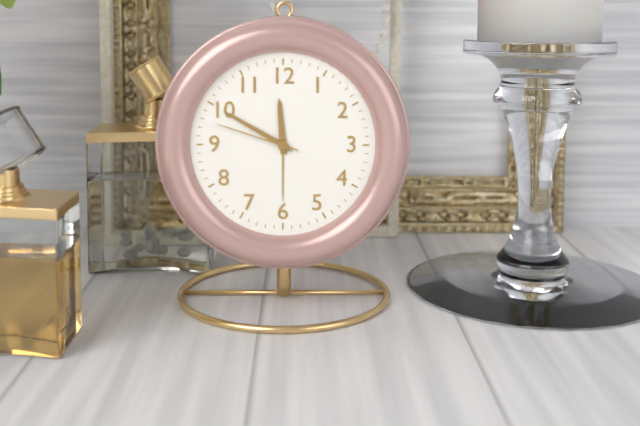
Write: 11 h 50 min 48 s
